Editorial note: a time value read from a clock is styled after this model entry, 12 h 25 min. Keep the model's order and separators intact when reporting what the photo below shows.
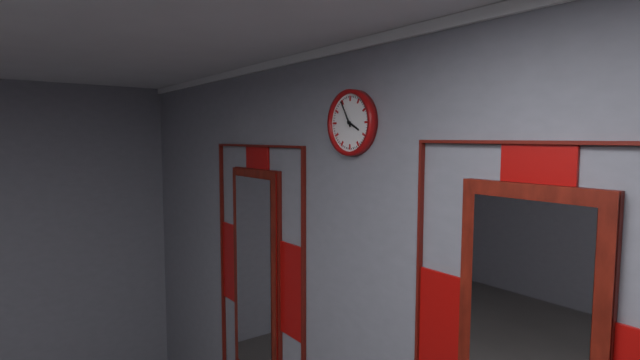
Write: 3 h 55 min
